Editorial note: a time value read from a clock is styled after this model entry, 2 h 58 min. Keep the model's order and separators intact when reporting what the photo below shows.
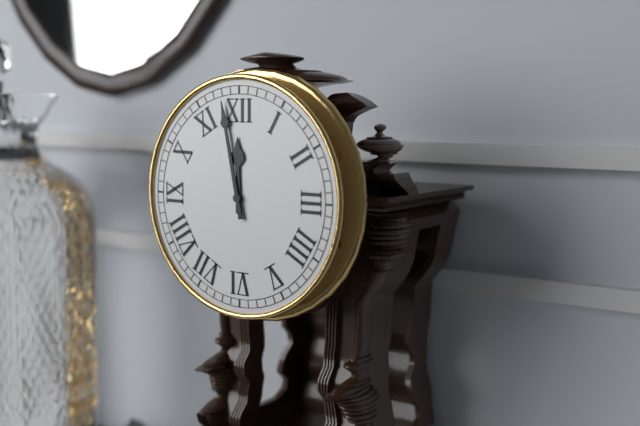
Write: 11 h 58 min
